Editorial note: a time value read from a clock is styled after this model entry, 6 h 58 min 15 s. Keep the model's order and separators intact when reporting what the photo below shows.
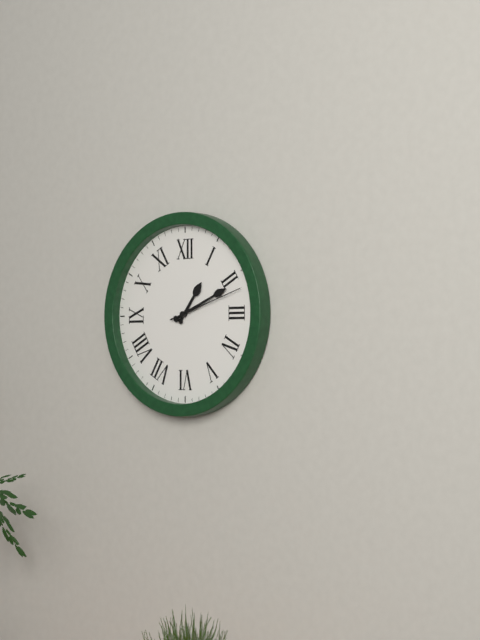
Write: 1 h 11 min 12 s
